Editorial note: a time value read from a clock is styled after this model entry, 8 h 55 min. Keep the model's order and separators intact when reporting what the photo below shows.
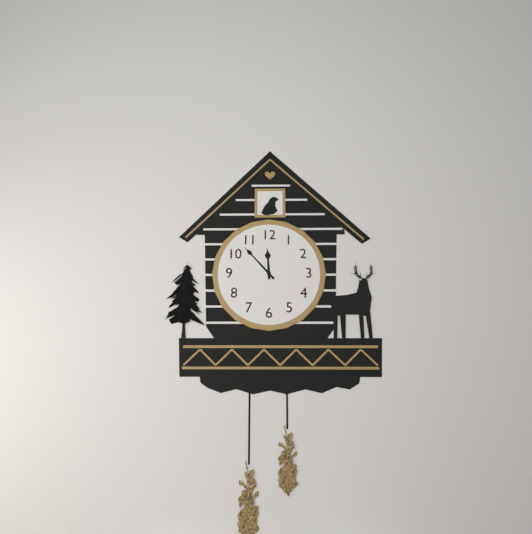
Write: 11 h 53 min
